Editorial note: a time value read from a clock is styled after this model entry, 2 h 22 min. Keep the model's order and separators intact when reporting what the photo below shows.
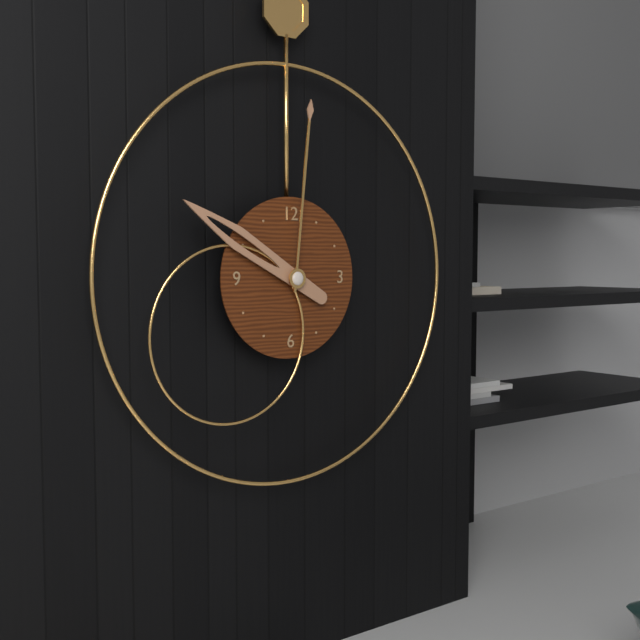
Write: 10 h 01 min
